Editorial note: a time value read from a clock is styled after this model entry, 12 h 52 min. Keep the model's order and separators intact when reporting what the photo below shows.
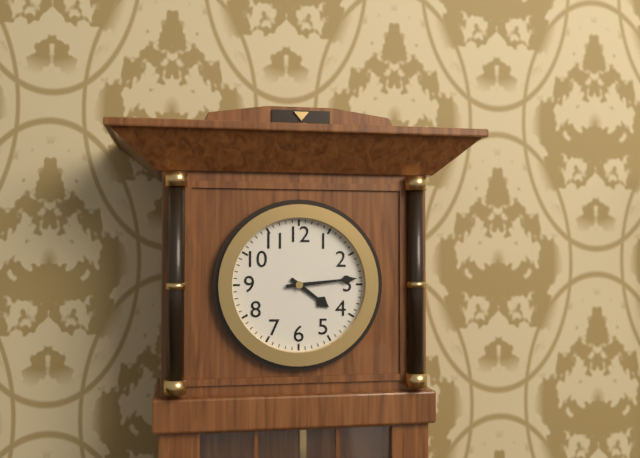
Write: 4 h 14 min
